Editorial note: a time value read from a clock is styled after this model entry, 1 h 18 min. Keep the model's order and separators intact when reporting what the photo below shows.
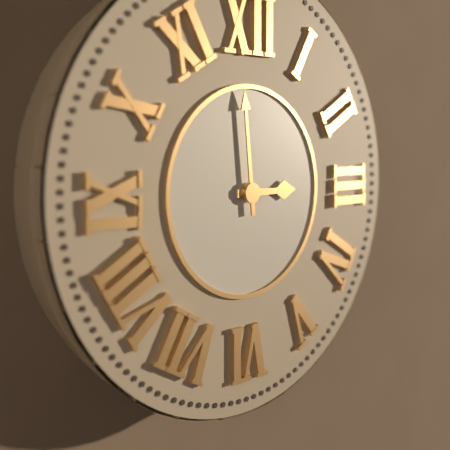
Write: 2 h 59 min
